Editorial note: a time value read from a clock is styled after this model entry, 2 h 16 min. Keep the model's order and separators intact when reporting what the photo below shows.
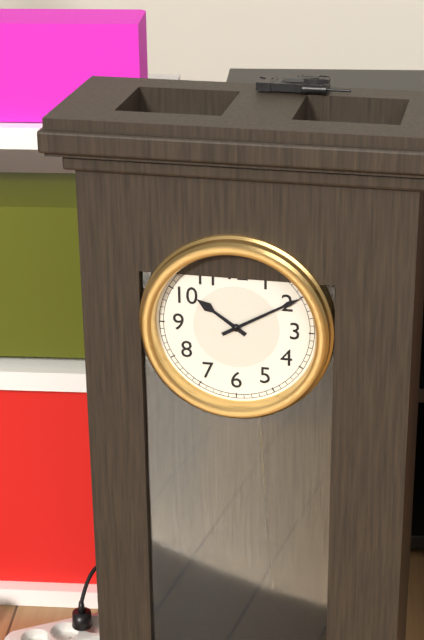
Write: 10 h 10 min
